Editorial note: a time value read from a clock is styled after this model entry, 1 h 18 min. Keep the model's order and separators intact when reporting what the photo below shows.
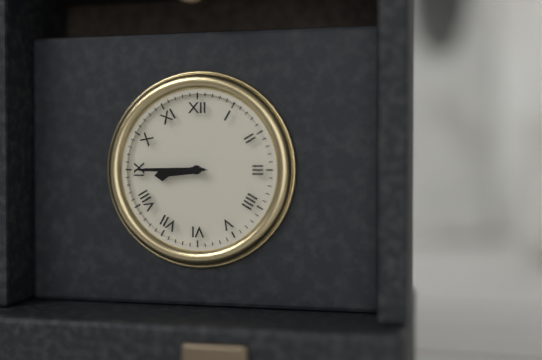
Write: 8 h 45 min
